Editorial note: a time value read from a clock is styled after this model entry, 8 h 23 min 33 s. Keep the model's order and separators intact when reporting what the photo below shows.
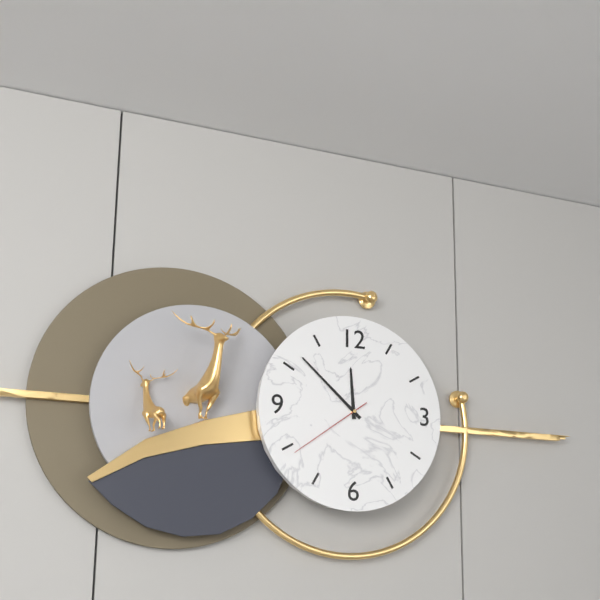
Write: 11 h 52 min 39 s
